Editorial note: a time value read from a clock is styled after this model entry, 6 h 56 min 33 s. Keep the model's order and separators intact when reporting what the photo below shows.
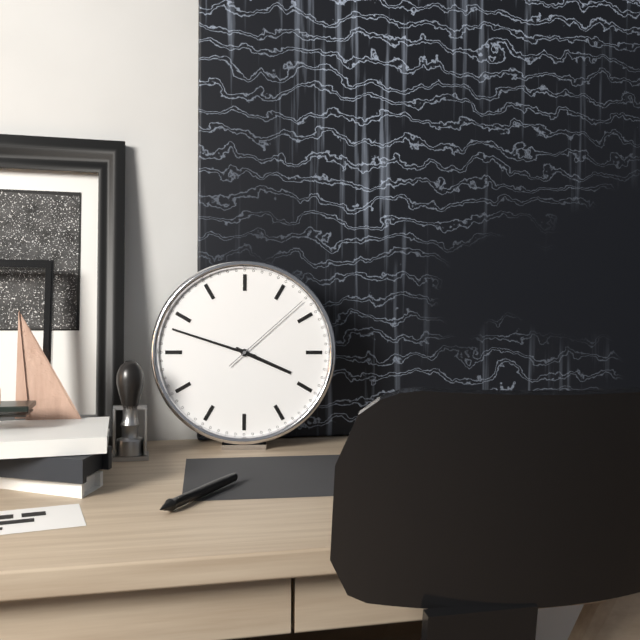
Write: 3 h 48 min 08 s
